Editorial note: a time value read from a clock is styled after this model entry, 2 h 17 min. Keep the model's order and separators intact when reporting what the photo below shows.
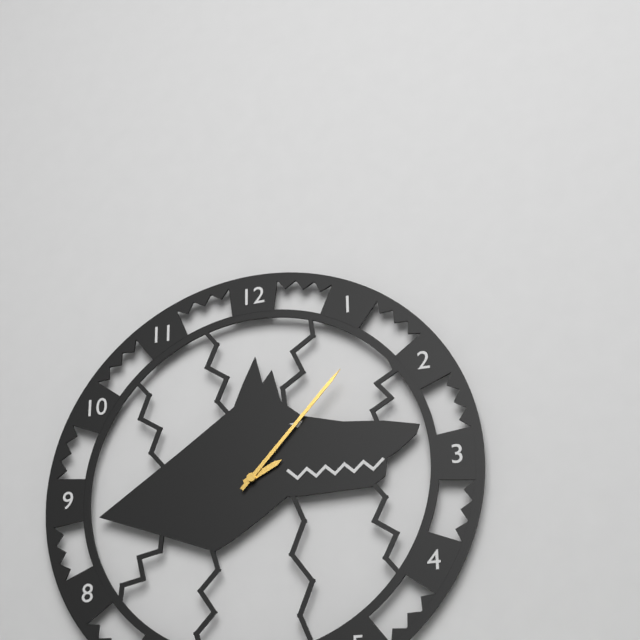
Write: 2 h 07 min
